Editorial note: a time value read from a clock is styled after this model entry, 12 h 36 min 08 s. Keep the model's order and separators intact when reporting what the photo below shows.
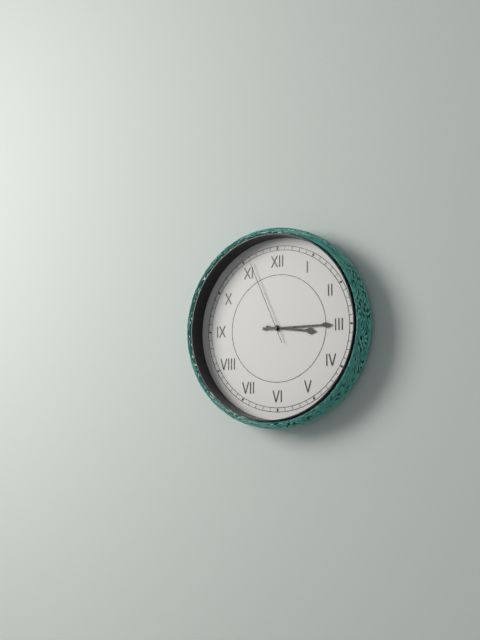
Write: 3 h 15 min 56 s
